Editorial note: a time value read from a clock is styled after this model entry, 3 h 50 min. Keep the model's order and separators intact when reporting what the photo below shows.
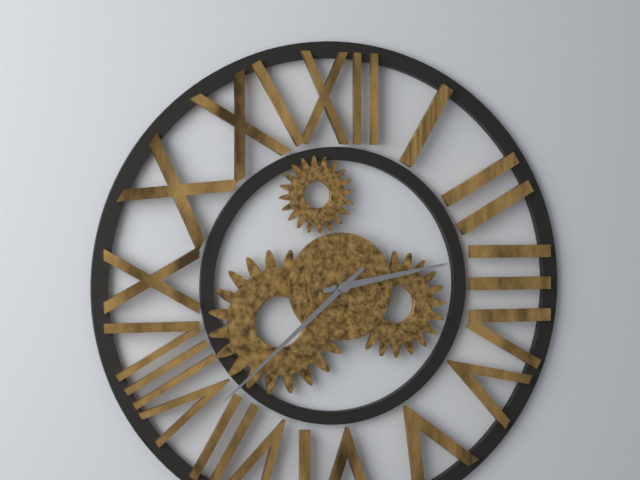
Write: 2 h 38 min
